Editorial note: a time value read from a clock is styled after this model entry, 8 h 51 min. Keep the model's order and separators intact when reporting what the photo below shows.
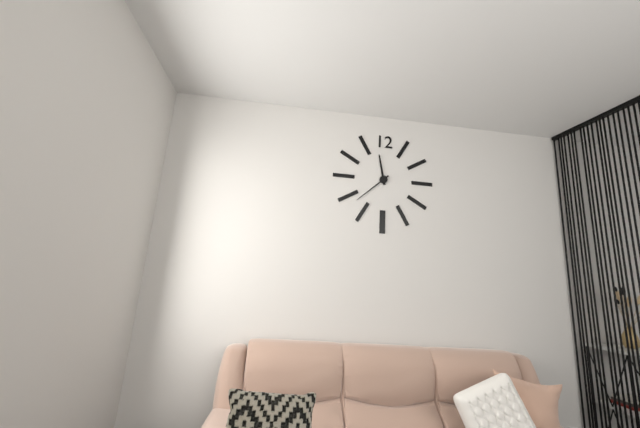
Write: 11 h 38 min
